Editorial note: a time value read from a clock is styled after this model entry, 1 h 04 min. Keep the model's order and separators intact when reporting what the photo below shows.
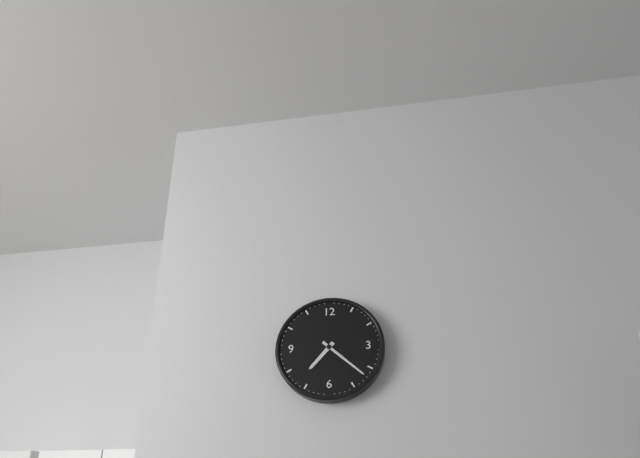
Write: 7 h 22 min
